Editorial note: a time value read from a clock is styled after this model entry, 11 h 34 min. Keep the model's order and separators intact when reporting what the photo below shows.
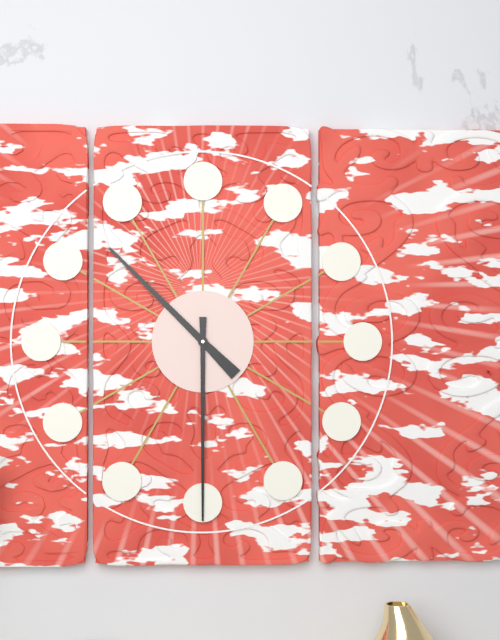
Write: 10 h 30 min
